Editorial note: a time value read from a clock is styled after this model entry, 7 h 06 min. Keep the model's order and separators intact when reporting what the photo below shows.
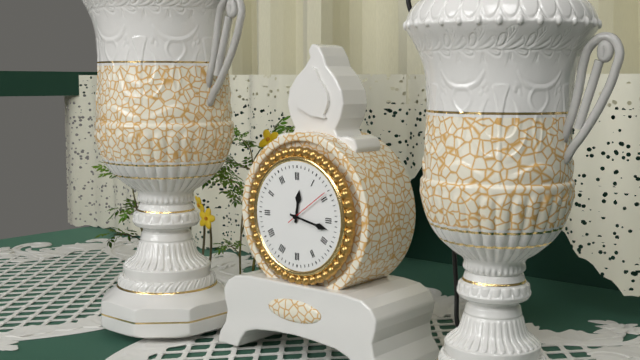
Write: 12 h 17 min
